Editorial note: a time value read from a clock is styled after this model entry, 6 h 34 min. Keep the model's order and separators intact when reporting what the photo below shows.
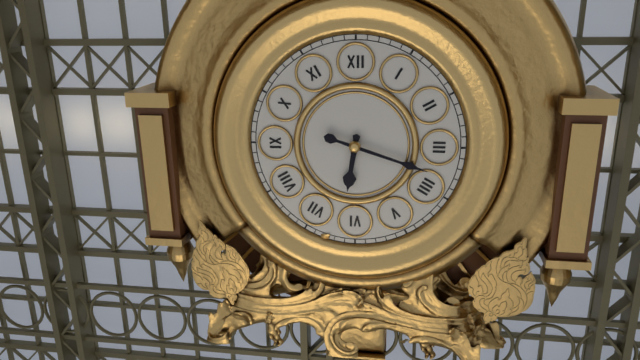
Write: 6 h 18 min
